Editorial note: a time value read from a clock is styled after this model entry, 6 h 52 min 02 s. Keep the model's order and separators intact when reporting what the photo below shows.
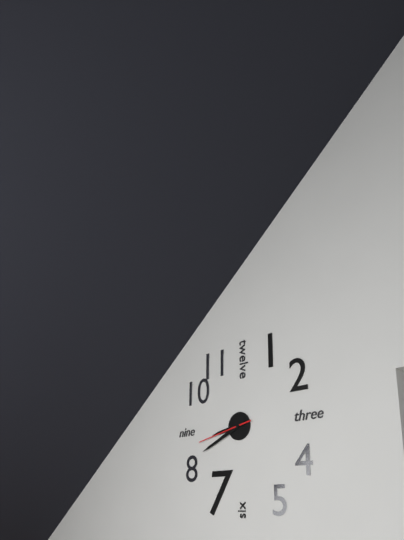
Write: 8 h 41 min 43 s
